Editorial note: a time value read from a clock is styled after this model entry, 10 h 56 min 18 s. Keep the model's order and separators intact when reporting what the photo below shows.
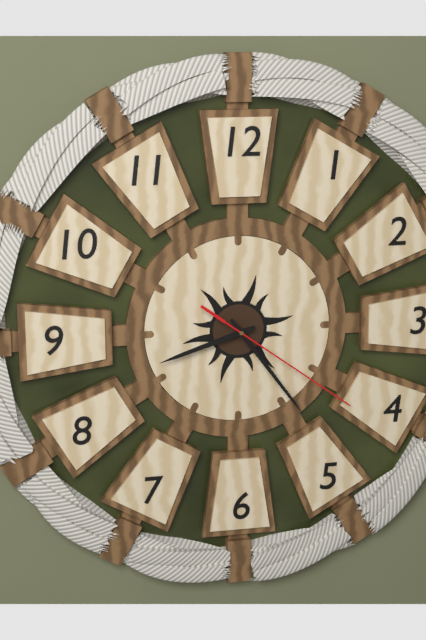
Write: 8 h 24 min 21 s
